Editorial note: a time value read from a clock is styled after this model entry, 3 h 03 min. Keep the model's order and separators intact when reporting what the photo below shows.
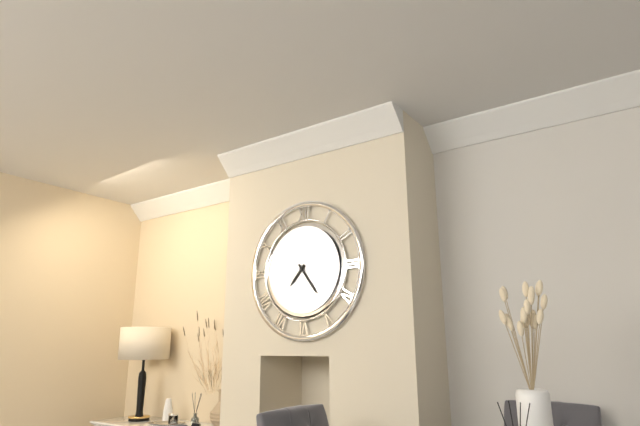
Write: 7 h 24 min
